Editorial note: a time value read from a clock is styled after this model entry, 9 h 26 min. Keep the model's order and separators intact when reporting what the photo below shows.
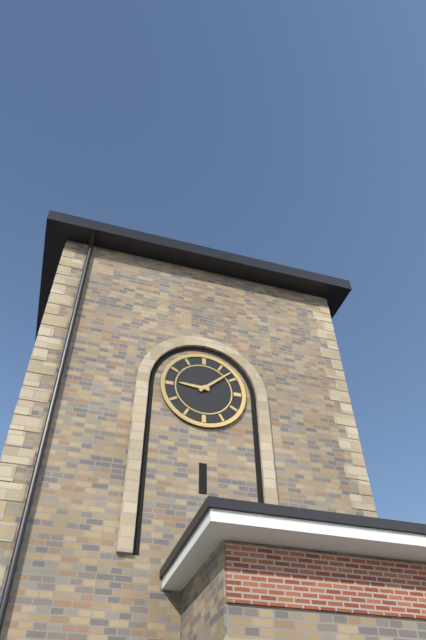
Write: 9 h 08 min
